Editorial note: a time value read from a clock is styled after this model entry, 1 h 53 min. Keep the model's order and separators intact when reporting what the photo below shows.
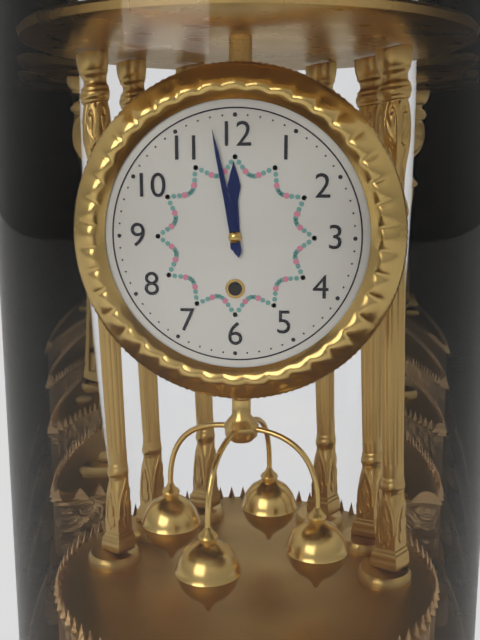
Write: 11 h 58 min
